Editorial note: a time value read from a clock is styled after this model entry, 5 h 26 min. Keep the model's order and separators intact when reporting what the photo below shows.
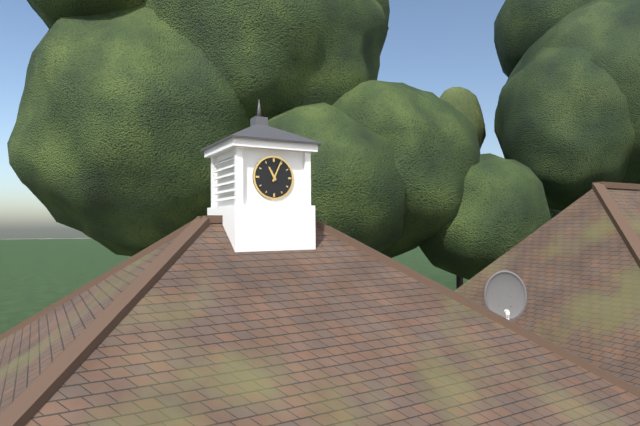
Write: 11 h 04 min
